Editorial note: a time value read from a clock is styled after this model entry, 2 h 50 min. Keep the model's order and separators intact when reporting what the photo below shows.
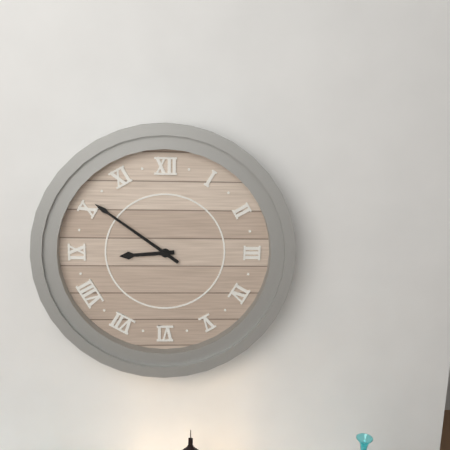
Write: 8 h 51 min
